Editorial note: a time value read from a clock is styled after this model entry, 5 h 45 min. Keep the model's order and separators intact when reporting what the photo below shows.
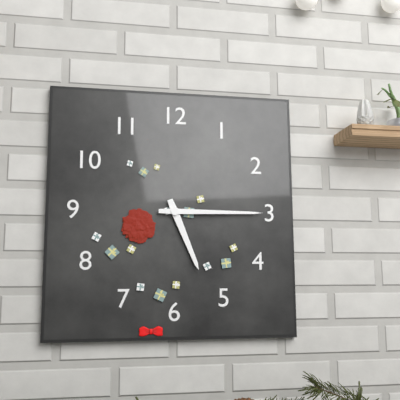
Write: 5 h 15 min
